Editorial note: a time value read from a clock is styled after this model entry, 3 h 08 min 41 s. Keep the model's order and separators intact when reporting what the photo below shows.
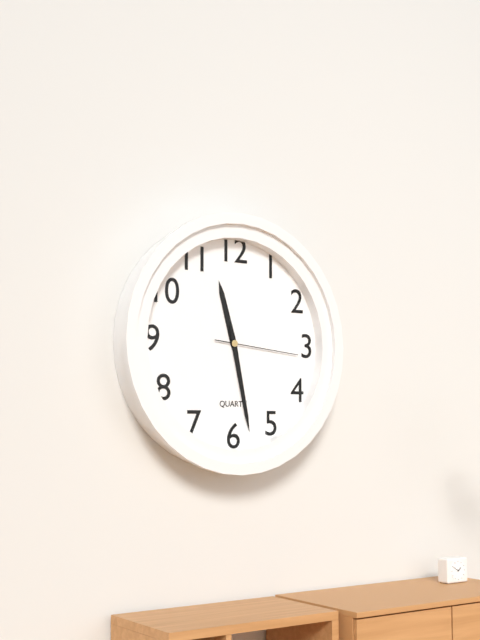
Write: 11 h 28 min 16 s
